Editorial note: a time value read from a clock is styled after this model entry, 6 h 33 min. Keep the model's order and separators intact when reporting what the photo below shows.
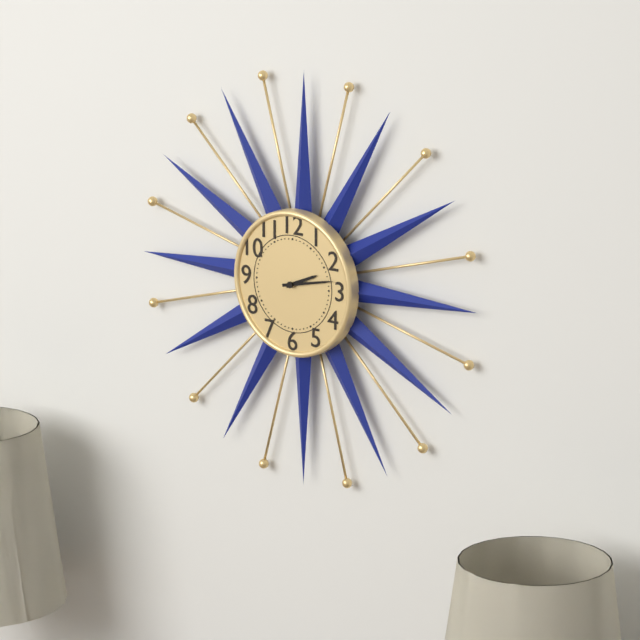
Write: 2 h 13 min
